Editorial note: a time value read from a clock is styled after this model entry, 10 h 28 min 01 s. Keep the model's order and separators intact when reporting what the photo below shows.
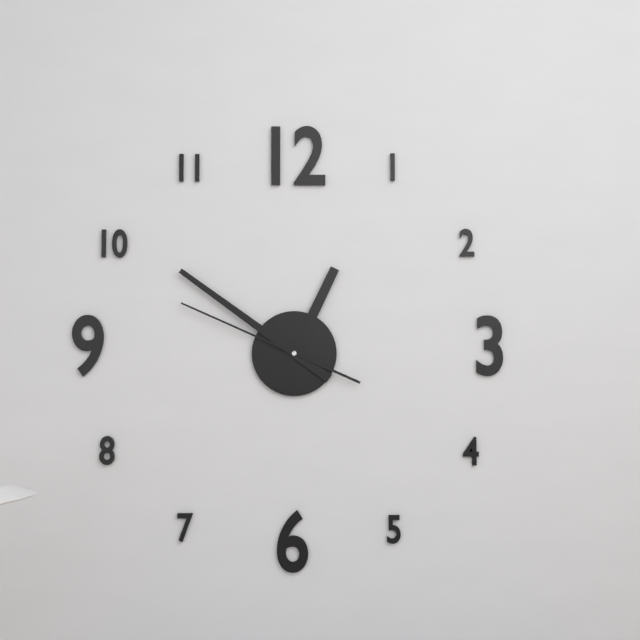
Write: 12 h 51 min 49 s
